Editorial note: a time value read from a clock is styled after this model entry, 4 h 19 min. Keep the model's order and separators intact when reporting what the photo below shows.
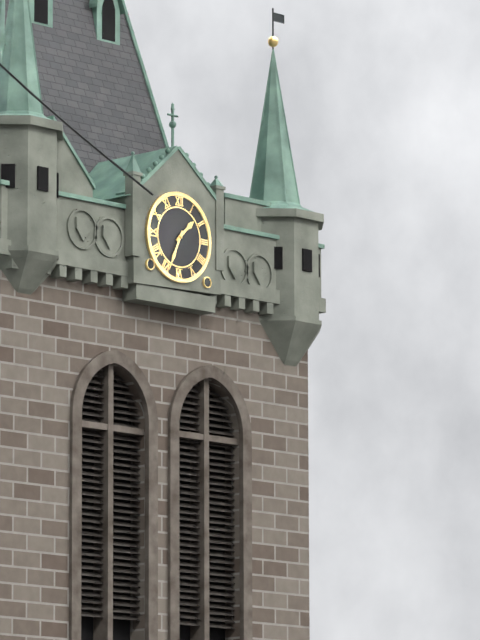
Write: 1 h 34 min
